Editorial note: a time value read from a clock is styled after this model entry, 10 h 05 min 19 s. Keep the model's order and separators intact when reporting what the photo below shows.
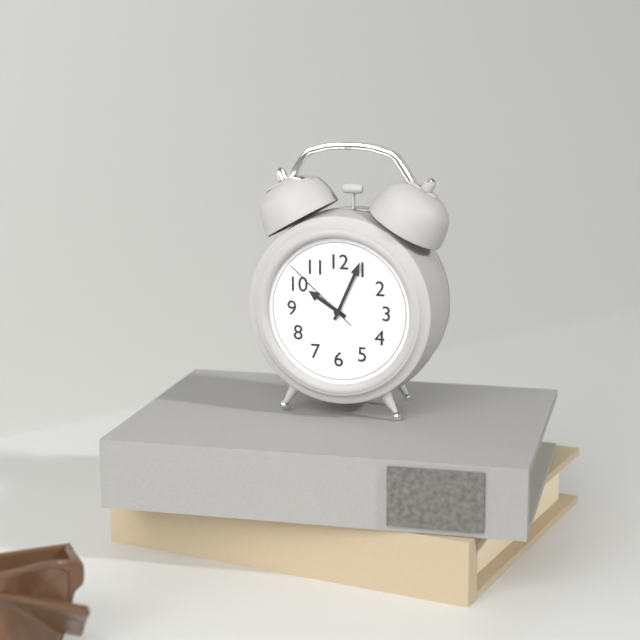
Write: 10 h 04 min 52 s
